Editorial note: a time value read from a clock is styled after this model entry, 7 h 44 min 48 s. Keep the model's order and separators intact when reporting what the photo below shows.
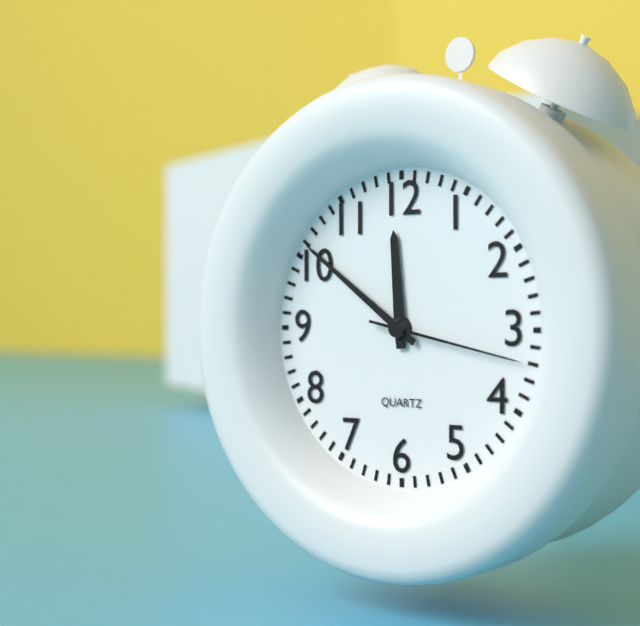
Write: 11 h 51 min 17 s
